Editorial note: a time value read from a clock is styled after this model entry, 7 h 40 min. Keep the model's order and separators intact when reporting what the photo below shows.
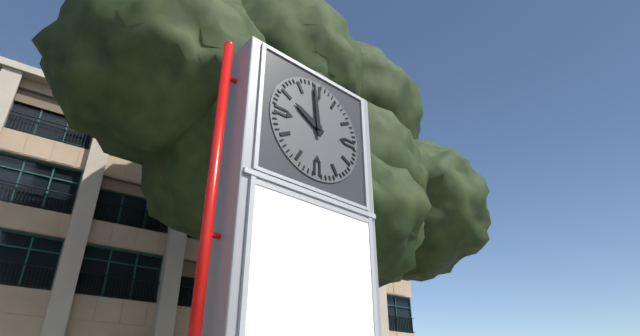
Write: 9 h 59 min
